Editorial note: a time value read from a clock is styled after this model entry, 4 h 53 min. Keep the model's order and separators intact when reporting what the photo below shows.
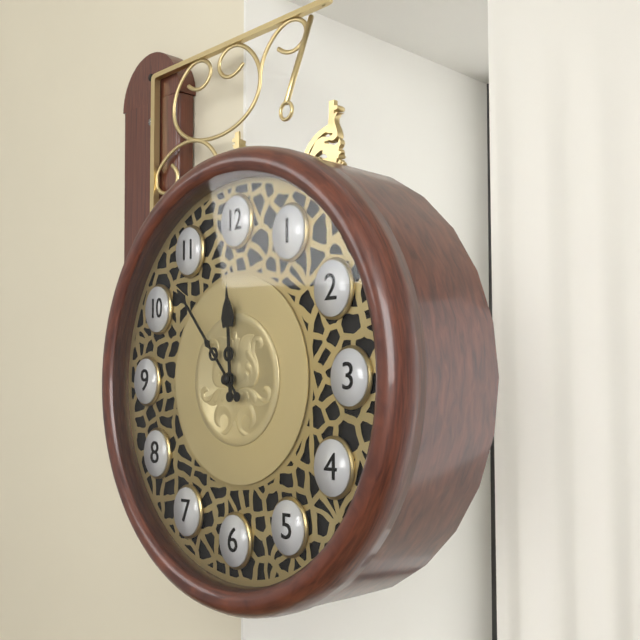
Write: 11 h 53 min
